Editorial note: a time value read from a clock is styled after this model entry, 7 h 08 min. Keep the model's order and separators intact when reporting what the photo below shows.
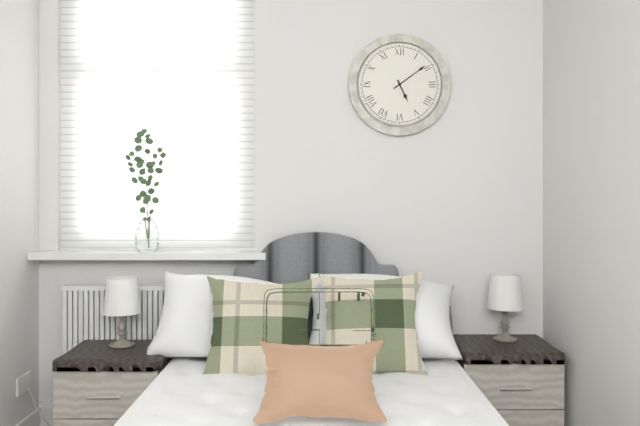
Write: 5 h 09 min
